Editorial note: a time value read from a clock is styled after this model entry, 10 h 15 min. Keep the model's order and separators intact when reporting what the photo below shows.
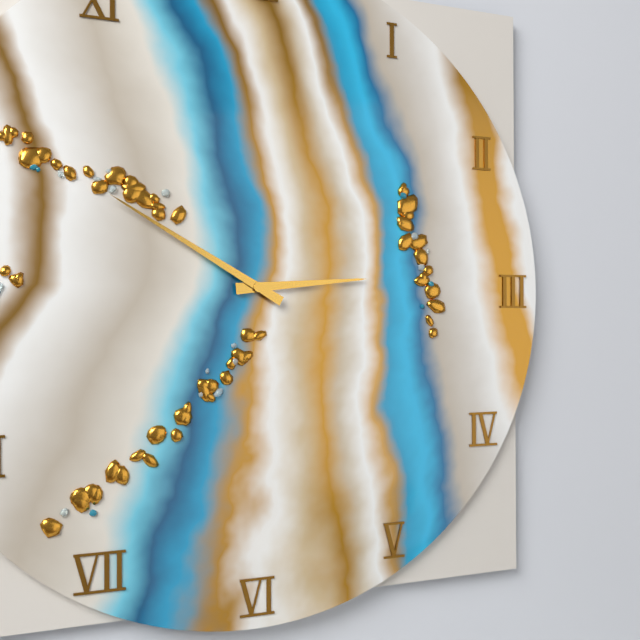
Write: 2 h 50 min
